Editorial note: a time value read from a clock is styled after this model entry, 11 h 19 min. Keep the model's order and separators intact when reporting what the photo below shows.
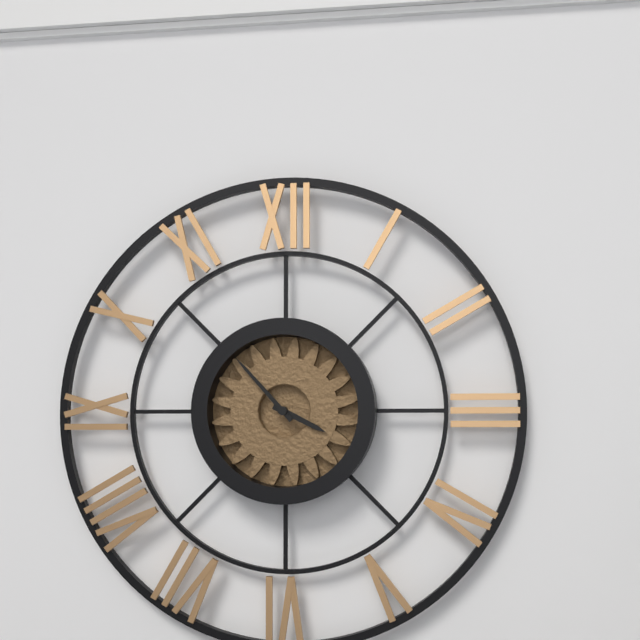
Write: 3 h 53 min
